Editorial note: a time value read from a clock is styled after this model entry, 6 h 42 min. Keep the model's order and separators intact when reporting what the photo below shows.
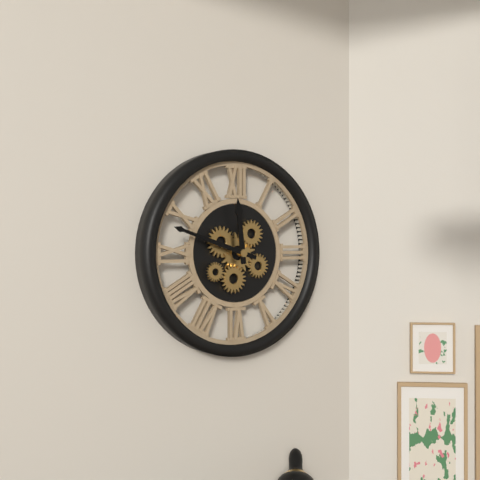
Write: 11 h 48 min
